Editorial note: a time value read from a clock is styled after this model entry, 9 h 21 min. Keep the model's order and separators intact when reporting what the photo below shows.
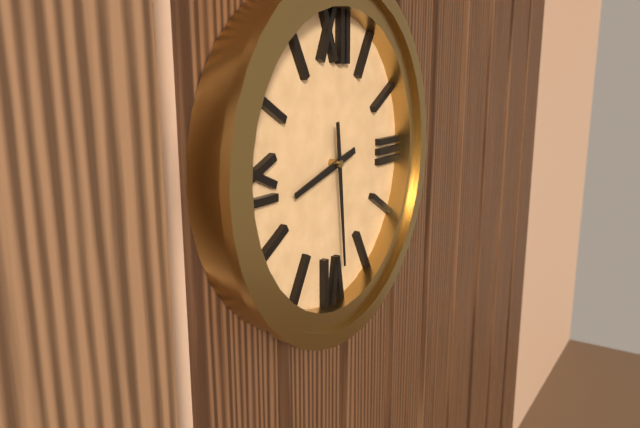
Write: 8 h 29 min
